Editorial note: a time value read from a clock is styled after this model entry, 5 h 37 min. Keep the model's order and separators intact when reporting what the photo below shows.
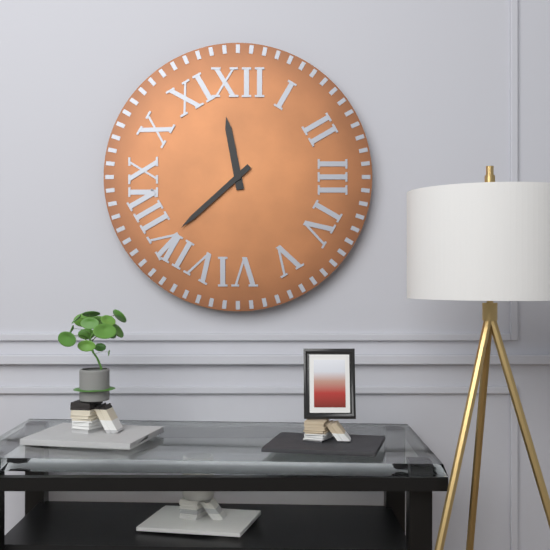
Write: 11 h 38 min
